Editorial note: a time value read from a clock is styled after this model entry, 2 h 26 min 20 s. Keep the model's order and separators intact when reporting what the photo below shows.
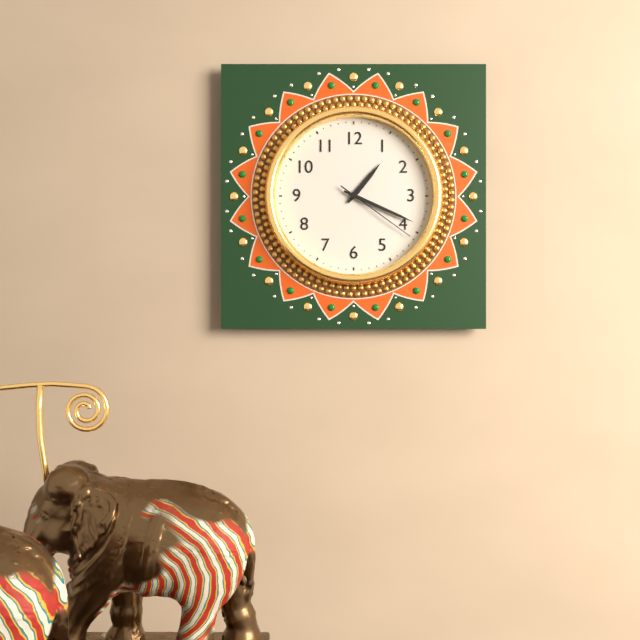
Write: 1 h 19 min 21 s
